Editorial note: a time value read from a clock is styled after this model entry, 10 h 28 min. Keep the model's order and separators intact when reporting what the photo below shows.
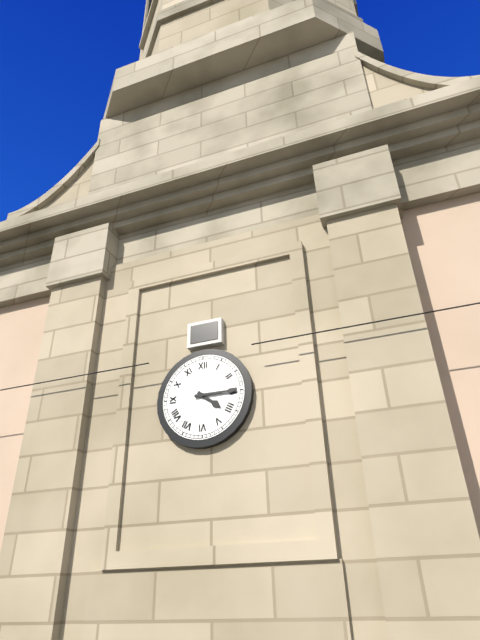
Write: 4 h 15 min
